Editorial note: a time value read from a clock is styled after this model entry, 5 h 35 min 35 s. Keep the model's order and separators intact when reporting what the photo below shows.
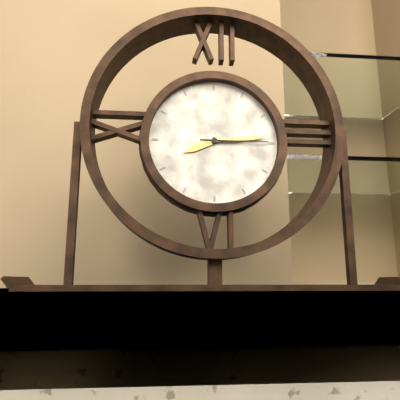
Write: 8 h 14 min 15 s
